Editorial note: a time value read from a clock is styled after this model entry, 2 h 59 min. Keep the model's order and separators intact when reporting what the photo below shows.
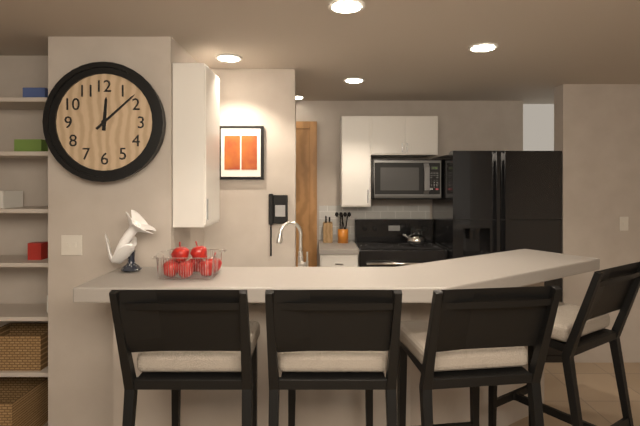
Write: 12 h 08 min
